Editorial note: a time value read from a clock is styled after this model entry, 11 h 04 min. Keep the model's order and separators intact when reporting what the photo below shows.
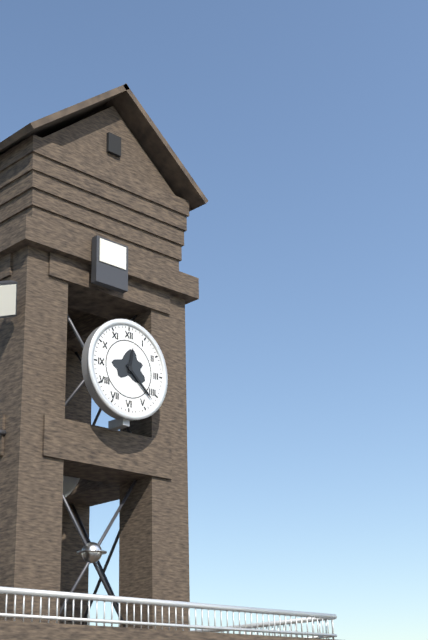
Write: 12 h 22 min
